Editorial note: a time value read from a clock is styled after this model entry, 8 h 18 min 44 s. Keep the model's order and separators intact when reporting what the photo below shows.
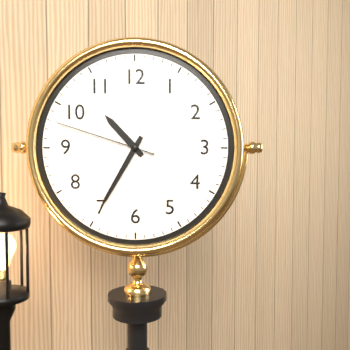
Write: 10 h 35 min 48 s
